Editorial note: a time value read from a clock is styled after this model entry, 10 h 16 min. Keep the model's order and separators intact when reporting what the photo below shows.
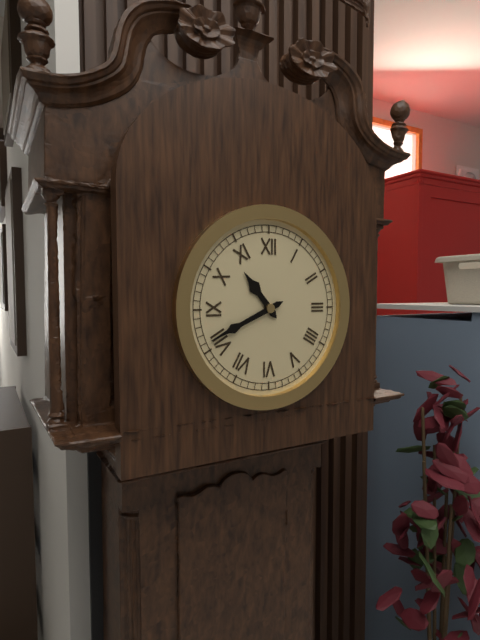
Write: 10 h 41 min
